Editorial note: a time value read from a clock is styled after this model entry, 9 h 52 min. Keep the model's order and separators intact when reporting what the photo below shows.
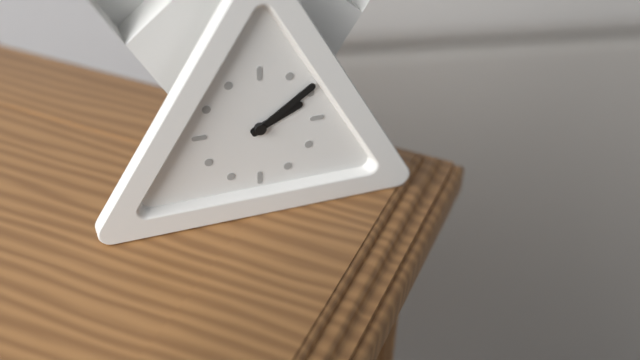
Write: 2 h 09 min
